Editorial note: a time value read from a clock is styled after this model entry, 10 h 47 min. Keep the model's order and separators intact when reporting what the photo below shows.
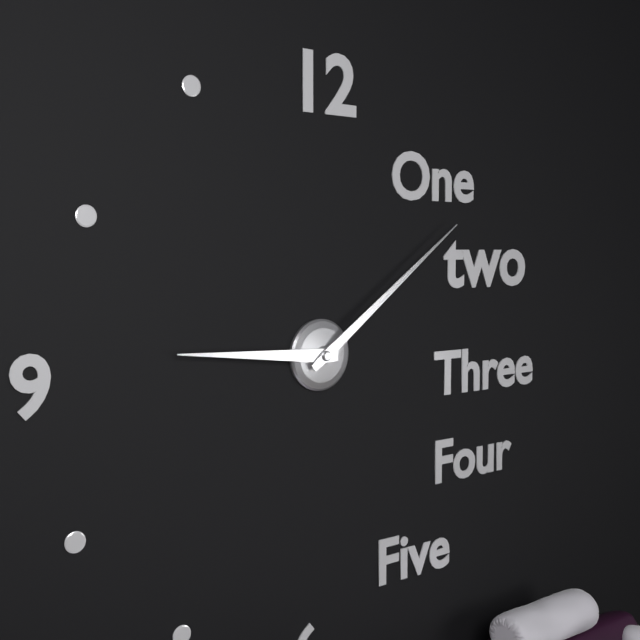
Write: 9 h 09 min
